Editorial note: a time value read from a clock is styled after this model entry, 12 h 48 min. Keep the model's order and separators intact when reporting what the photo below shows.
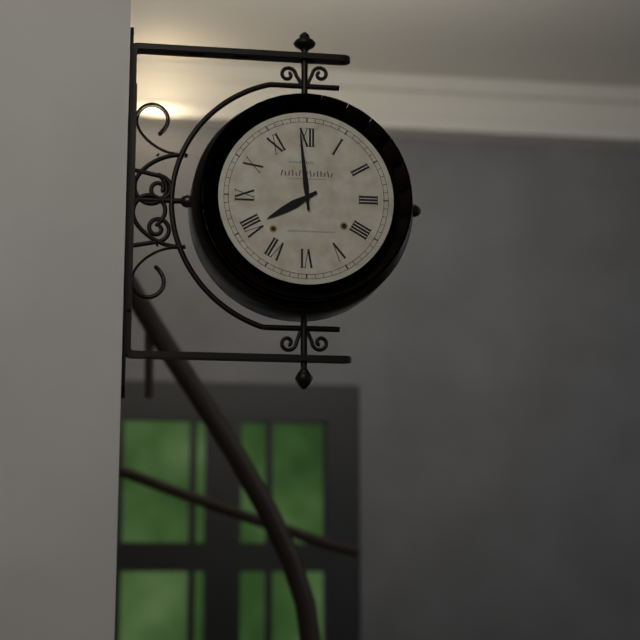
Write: 7 h 59 min
